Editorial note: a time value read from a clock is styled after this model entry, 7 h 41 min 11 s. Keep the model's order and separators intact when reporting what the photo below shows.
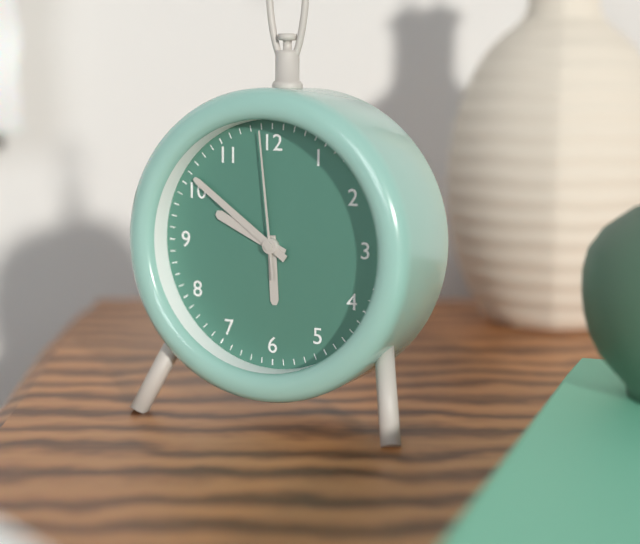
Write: 9 h 51 min 59 s
